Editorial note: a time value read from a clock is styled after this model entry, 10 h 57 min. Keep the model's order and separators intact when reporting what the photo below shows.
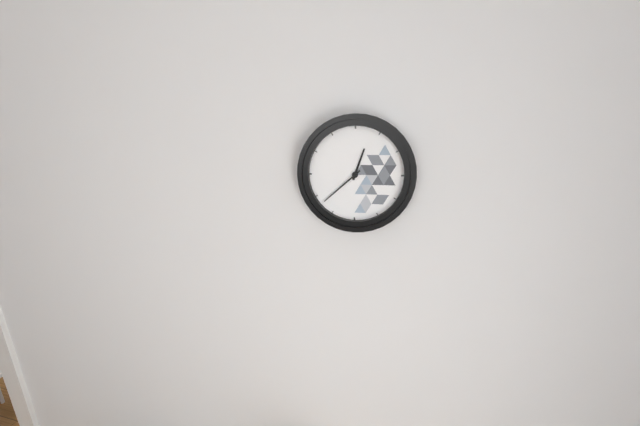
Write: 12 h 38 min
